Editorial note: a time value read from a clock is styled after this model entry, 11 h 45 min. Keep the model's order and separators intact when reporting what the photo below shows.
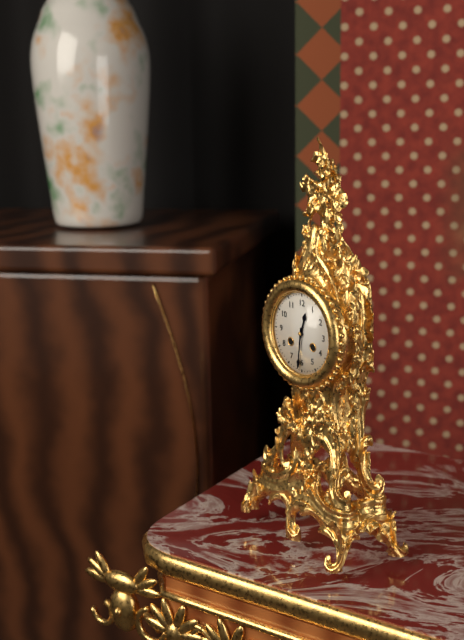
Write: 12 h 31 min
